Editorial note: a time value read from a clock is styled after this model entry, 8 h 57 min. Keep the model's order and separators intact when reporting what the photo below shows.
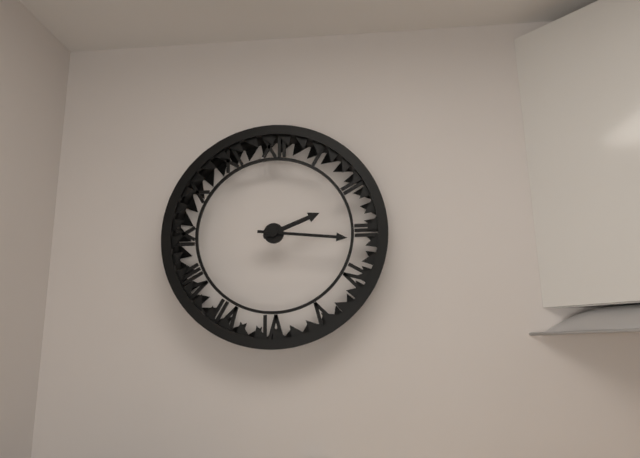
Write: 2 h 16 min
